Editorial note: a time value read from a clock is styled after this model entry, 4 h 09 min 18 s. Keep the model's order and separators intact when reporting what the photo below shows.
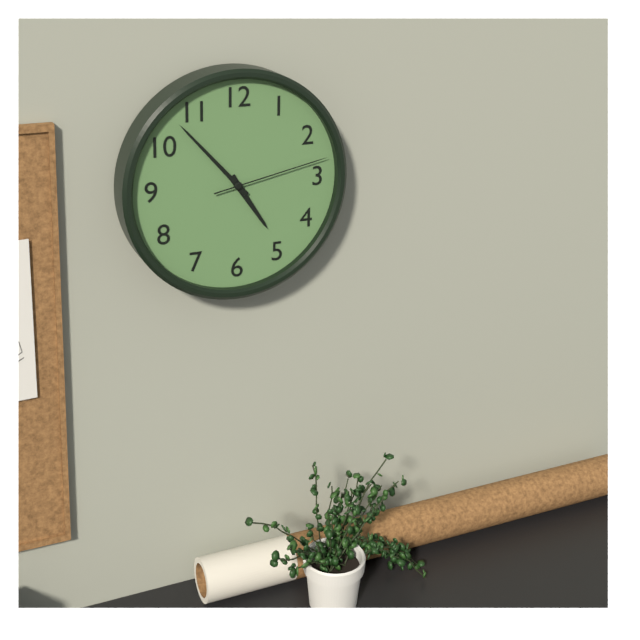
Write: 4 h 53 min 13 s
